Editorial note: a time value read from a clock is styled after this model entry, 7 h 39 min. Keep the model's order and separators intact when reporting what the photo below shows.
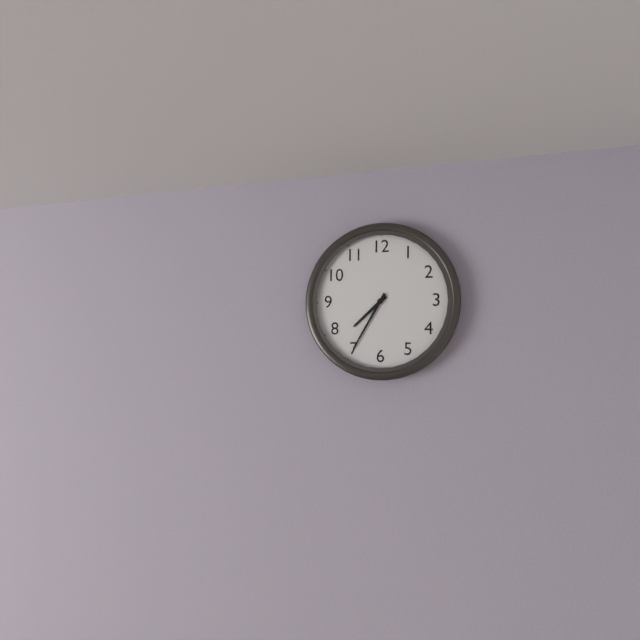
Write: 7 h 35 min
